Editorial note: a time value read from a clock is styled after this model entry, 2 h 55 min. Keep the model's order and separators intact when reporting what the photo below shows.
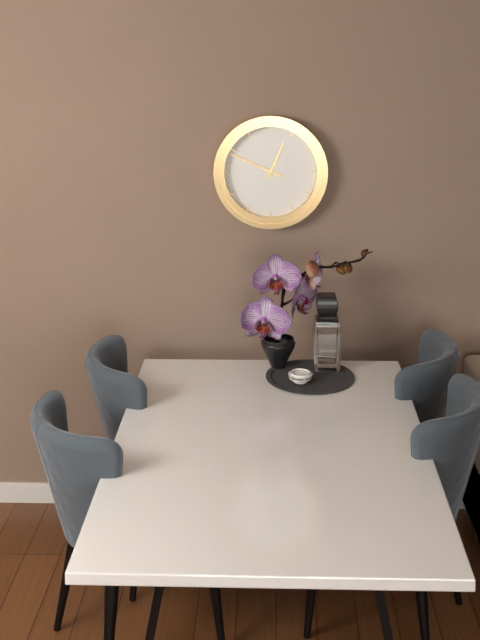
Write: 12 h 49 min
